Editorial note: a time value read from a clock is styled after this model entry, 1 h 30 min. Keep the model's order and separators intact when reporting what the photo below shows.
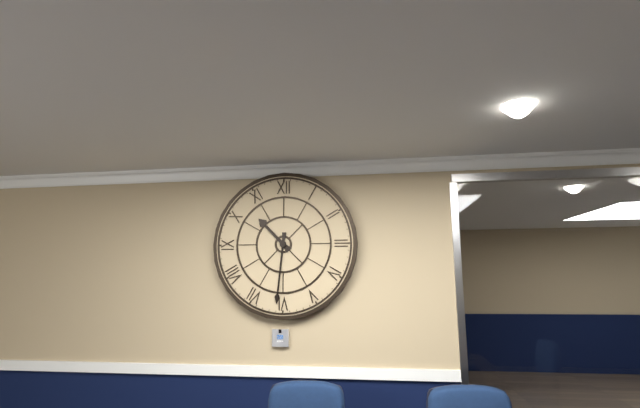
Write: 10 h 31 min
